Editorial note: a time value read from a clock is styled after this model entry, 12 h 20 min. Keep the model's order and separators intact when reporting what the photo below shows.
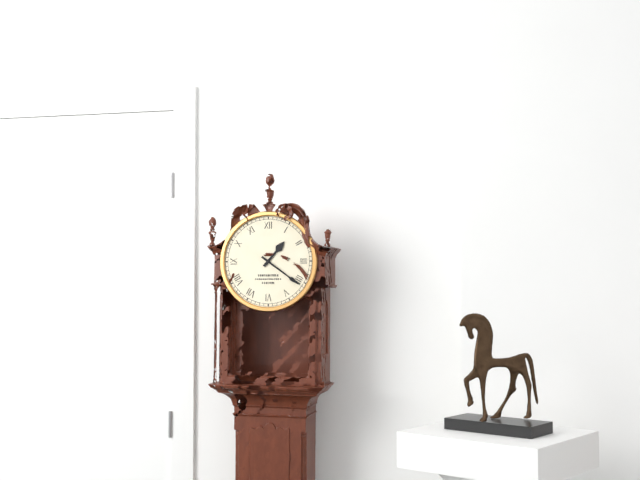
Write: 1 h 21 min
